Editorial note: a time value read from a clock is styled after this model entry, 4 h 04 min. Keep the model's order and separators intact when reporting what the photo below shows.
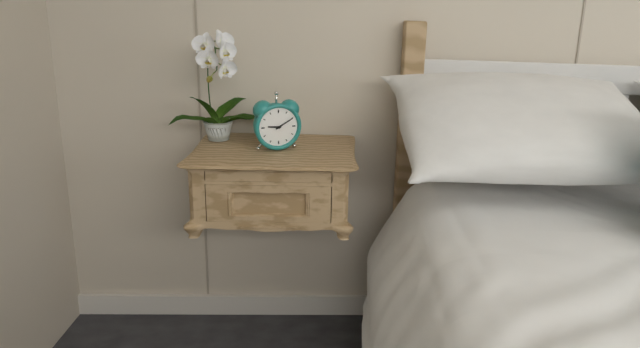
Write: 9 h 10 min
